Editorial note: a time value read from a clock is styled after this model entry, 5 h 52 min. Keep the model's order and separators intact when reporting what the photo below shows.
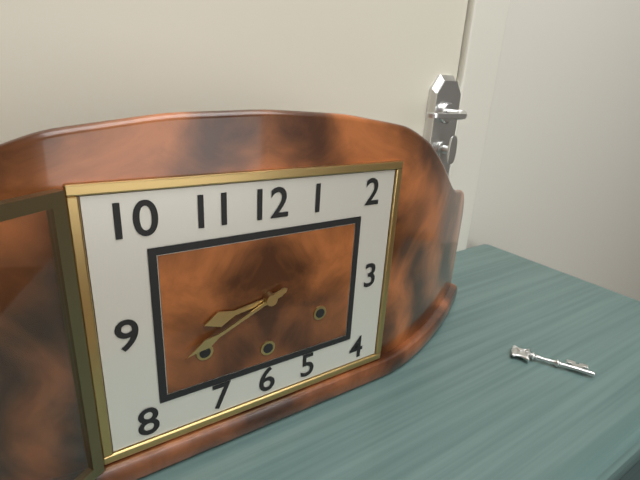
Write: 8 h 41 min
